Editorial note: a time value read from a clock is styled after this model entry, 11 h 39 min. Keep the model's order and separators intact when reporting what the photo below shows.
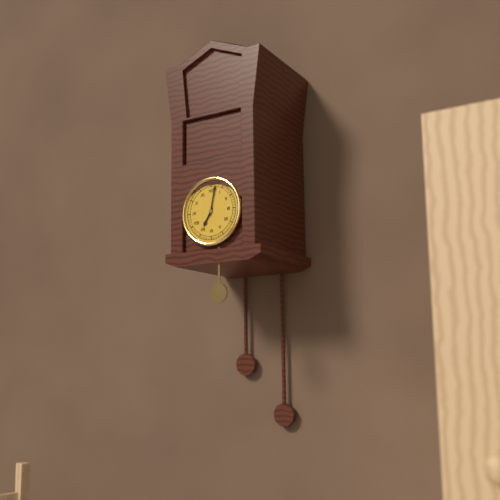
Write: 7 h 02 min
